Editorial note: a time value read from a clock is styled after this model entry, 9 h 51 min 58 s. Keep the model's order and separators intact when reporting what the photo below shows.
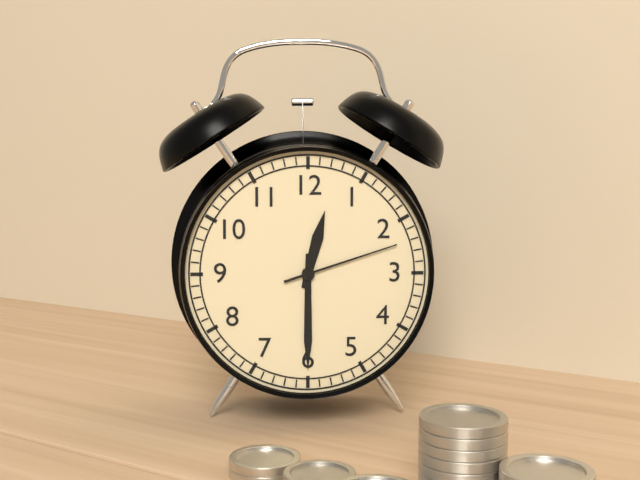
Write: 12 h 30 min 12 s
